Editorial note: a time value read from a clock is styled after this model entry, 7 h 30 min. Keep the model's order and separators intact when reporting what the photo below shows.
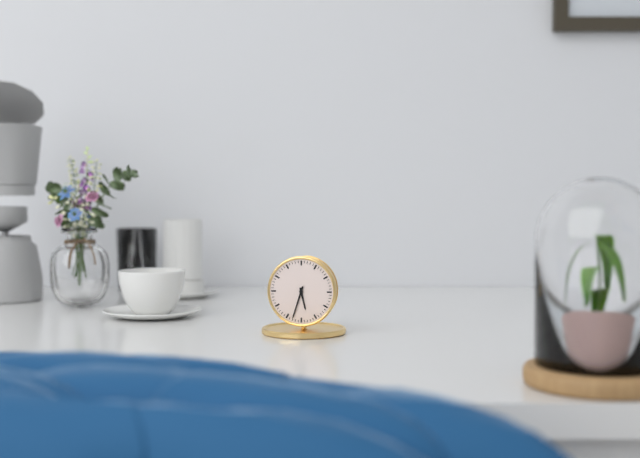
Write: 5 h 33 min
